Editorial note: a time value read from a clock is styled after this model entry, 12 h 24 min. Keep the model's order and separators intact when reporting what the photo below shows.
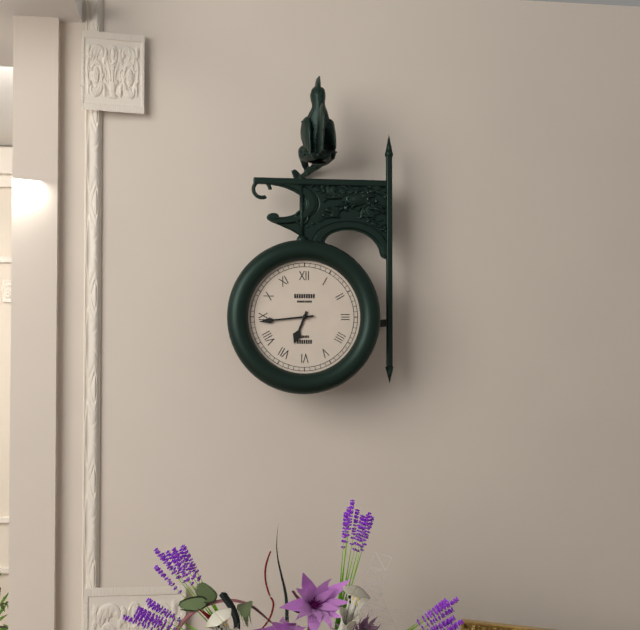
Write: 6 h 44 min
